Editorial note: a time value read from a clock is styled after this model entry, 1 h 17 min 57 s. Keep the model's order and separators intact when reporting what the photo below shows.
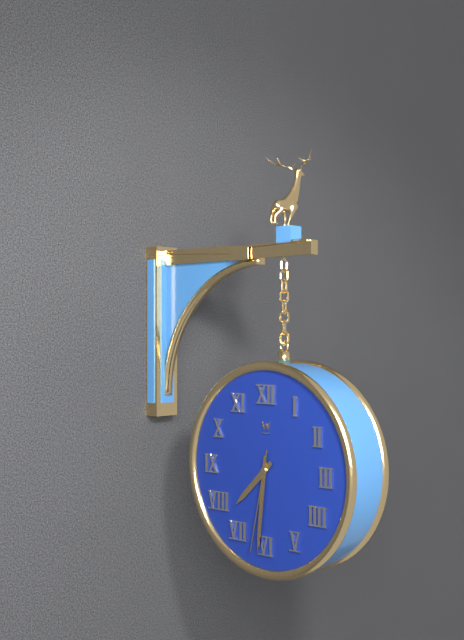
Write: 7 h 31 min 32 s
